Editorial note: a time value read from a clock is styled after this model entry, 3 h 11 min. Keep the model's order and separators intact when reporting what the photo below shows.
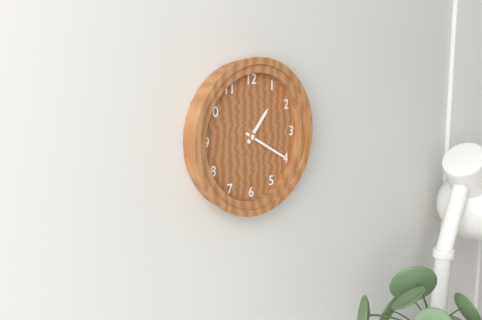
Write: 1 h 20 min
